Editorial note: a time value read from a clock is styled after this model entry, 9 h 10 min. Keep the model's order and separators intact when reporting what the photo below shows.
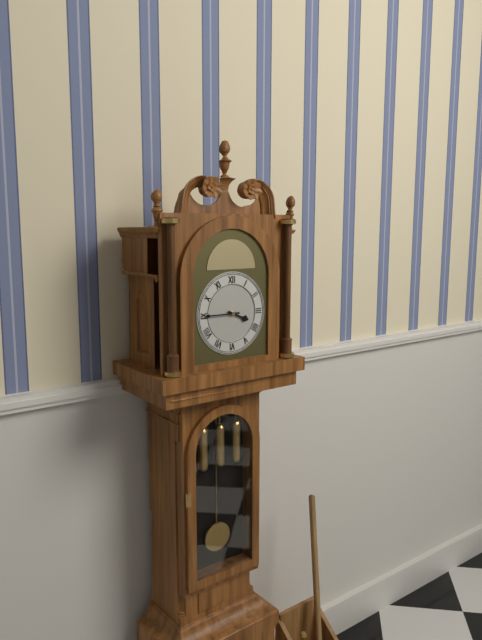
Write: 3 h 45 min
